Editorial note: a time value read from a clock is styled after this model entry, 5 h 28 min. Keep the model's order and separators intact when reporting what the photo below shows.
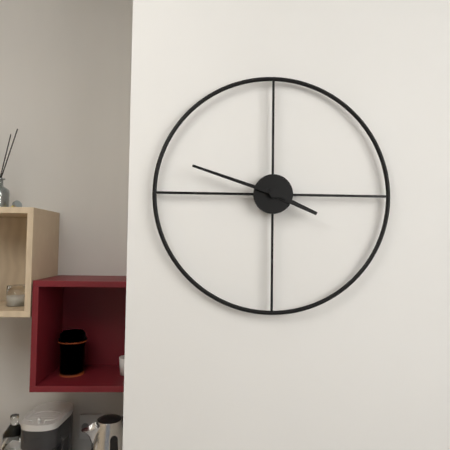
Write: 3 h 48 min
